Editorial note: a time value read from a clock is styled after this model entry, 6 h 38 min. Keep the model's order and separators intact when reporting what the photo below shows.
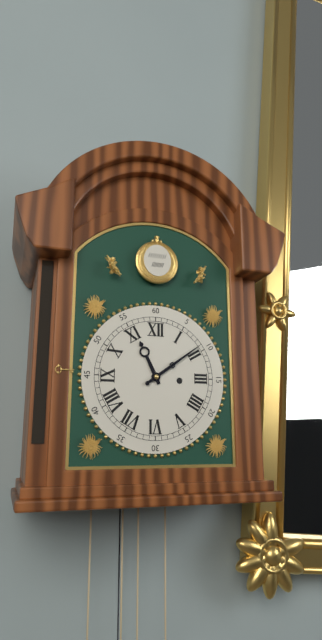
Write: 11 h 09 min
